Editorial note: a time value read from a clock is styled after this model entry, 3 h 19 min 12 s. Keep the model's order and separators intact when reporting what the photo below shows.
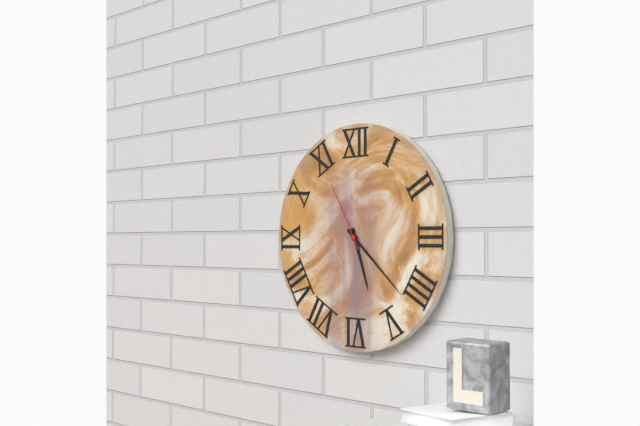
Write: 5 h 22 min 55 s
